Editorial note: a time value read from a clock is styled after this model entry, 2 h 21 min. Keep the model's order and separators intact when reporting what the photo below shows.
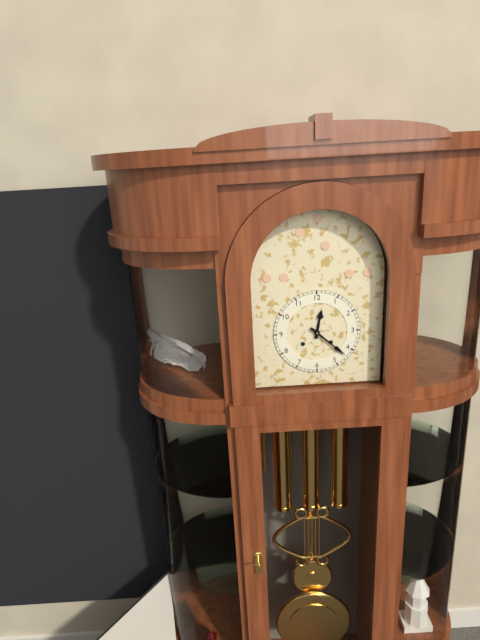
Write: 12 h 22 min
